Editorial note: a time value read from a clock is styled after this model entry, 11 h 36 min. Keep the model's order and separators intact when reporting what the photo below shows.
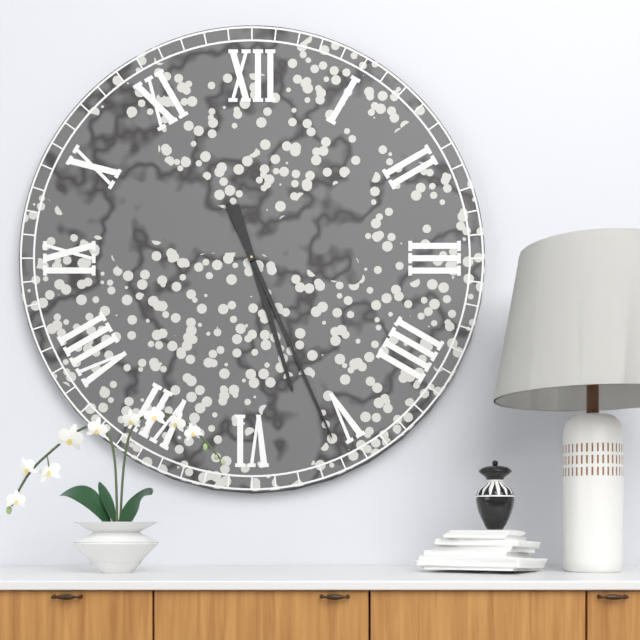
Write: 5 h 26 min
